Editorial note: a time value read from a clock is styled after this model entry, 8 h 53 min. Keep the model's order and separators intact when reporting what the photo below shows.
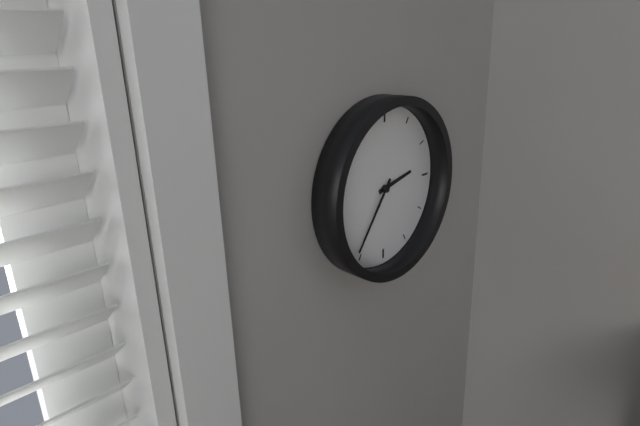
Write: 2 h 36 min
